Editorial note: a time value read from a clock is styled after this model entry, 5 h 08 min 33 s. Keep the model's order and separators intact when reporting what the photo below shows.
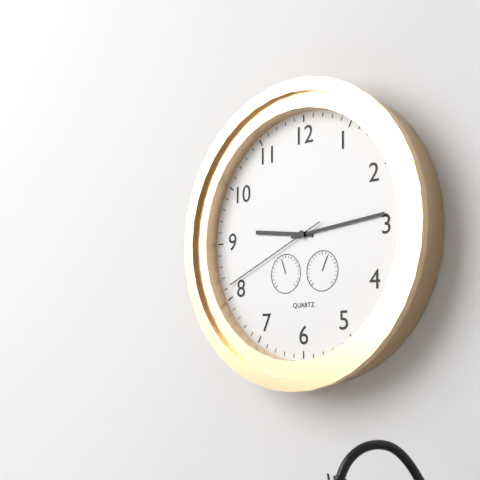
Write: 9 h 14 min 41 s
